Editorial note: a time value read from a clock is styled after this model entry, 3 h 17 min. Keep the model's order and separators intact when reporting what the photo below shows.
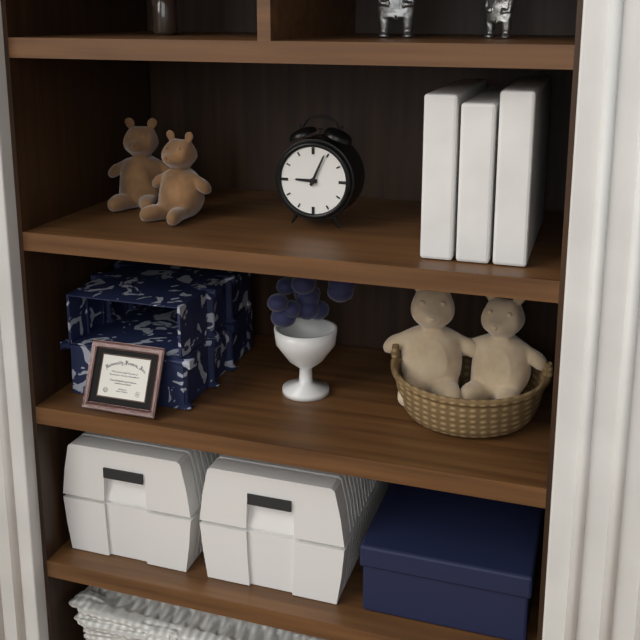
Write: 9 h 04 min
